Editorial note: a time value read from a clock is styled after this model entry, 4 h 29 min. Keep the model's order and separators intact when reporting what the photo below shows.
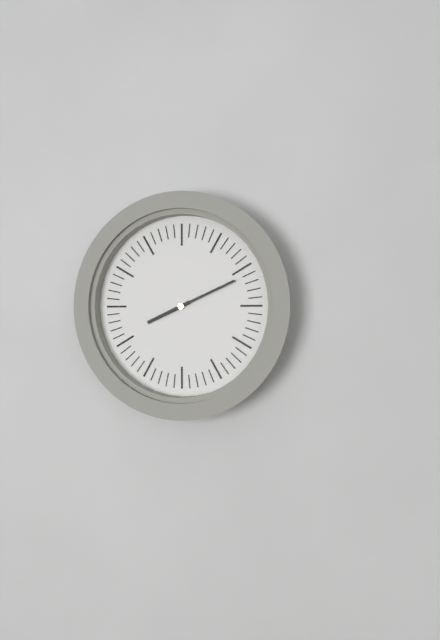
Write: 8 h 11 min
